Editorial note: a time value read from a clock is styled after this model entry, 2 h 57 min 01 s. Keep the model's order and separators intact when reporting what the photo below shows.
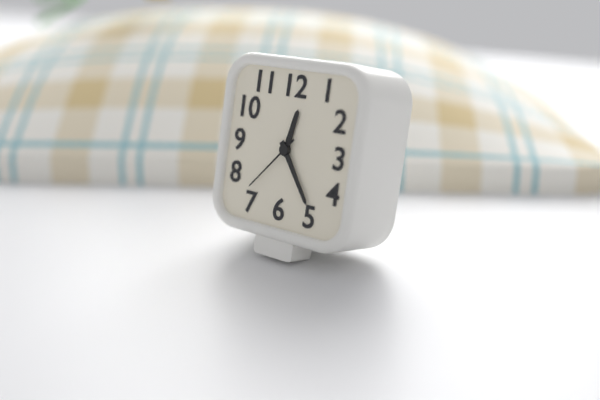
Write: 12 h 24 min 37 s
